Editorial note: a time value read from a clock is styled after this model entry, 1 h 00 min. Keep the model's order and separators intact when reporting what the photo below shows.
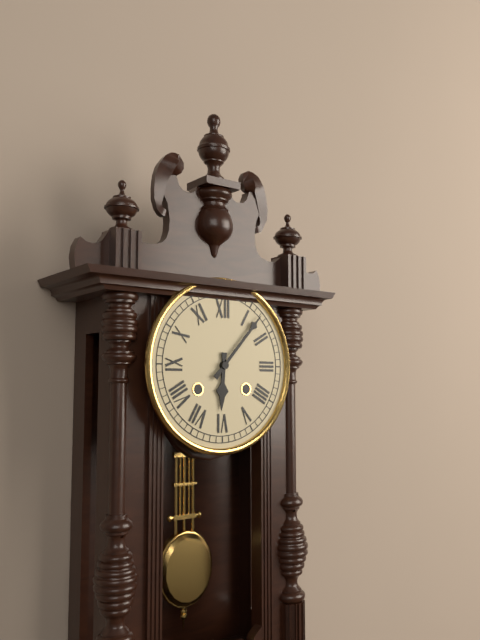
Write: 6 h 07 min
